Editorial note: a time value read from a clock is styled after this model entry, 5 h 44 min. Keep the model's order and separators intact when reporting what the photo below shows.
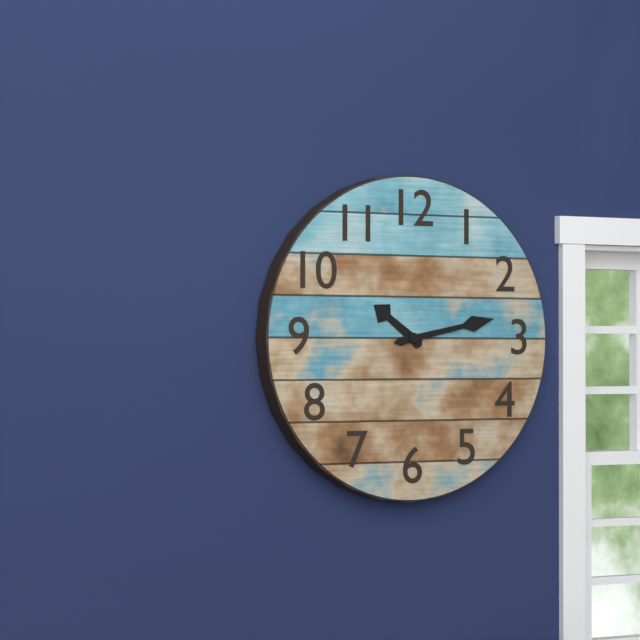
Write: 10 h 13 min
